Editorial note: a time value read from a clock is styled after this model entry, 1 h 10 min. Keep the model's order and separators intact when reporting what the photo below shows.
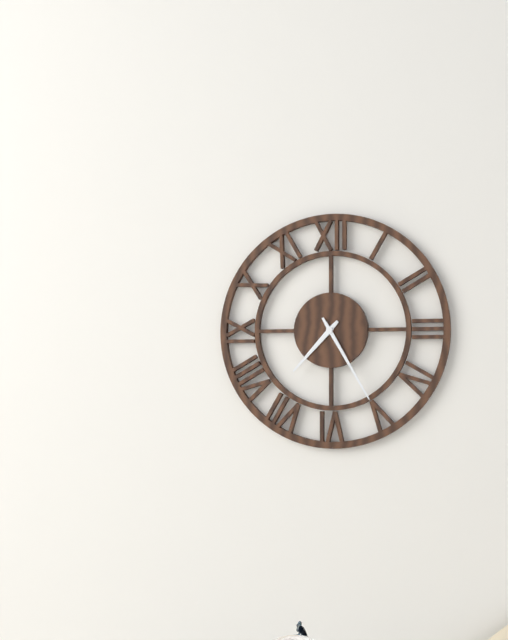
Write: 7 h 25 min
